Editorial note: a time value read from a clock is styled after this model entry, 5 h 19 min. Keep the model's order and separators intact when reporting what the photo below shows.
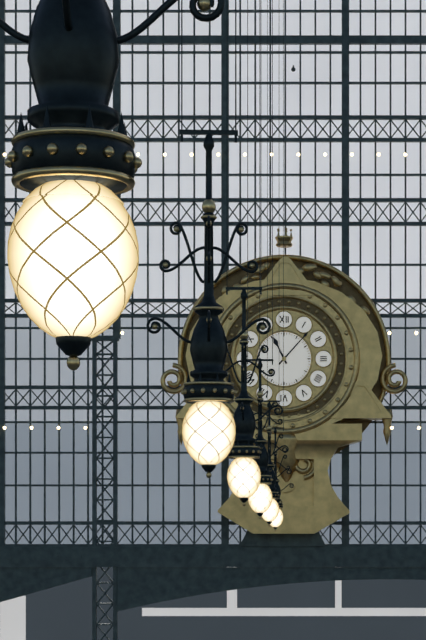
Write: 11 h 07 min
